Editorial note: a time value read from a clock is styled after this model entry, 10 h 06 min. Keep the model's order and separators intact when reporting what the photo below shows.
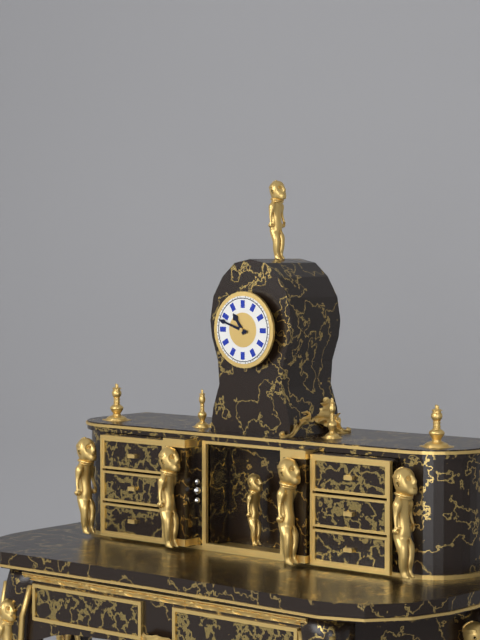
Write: 10 h 48 min
